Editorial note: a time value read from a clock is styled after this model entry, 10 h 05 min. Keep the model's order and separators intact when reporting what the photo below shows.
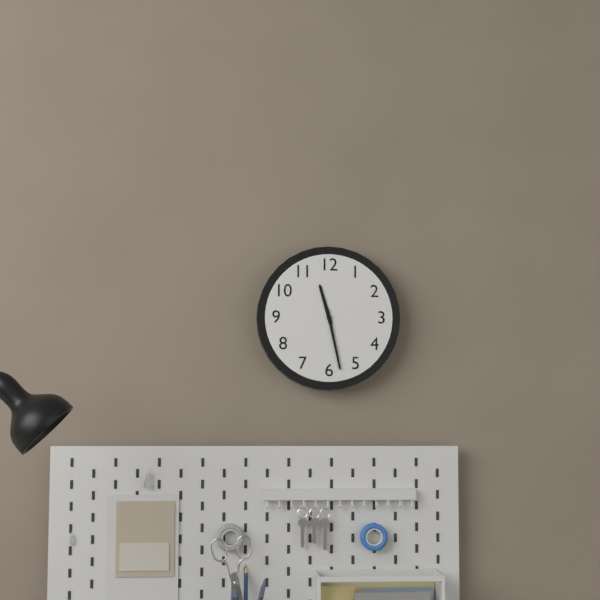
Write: 11 h 28 min
